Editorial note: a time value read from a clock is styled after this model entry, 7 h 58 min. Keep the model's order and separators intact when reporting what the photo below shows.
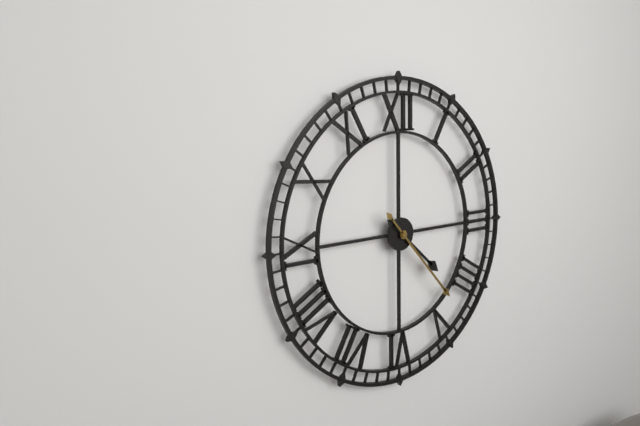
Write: 4 h 23 min
